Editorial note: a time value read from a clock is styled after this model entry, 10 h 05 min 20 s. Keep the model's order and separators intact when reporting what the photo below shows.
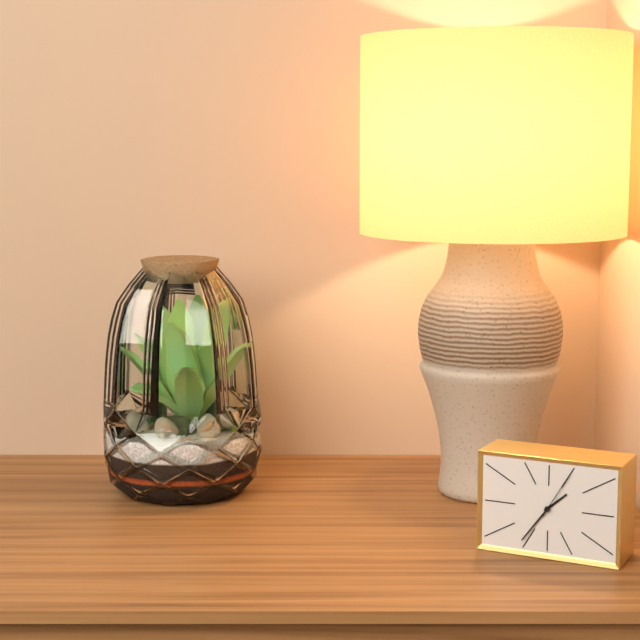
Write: 1 h 36 min 05 s
